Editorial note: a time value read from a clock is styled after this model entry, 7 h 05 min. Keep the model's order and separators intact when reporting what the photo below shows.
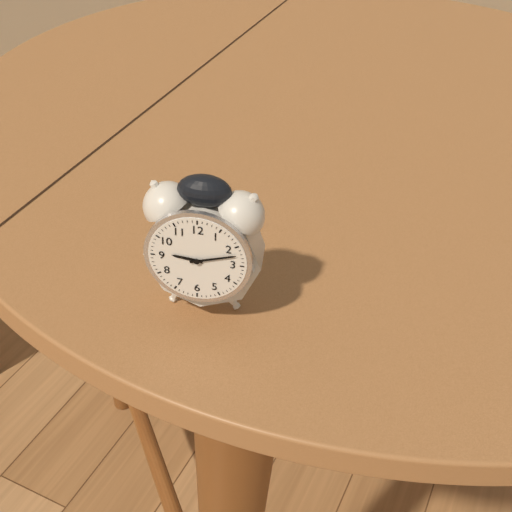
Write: 9 h 12 min
